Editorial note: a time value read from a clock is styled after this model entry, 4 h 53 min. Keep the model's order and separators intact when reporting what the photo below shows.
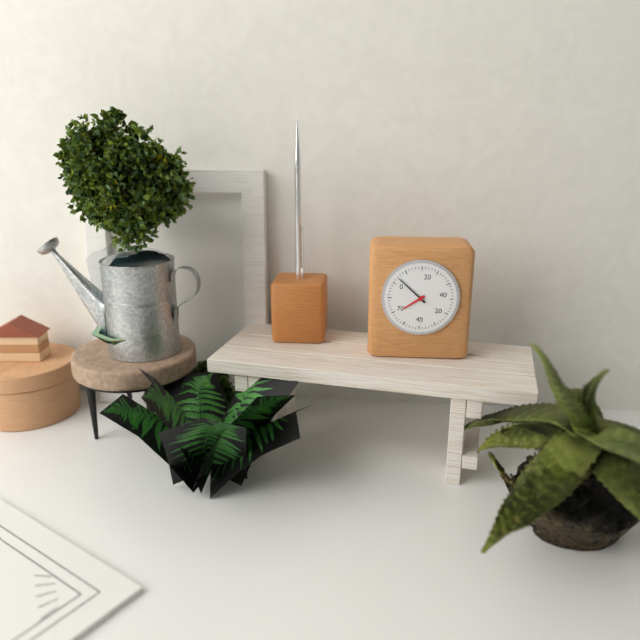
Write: 7 h 52 min
